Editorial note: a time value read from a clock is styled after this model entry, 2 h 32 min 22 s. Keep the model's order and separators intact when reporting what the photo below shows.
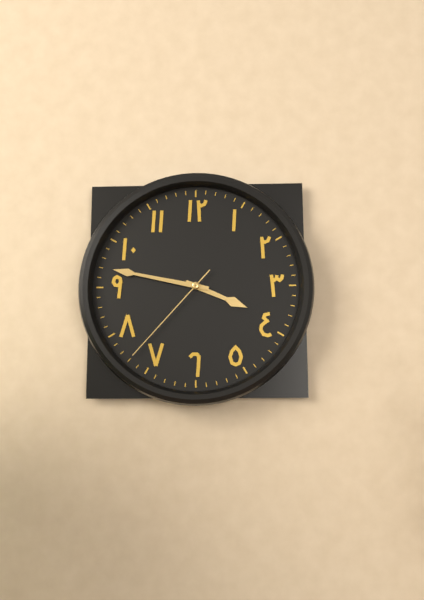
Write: 3 h 47 min 37 s
